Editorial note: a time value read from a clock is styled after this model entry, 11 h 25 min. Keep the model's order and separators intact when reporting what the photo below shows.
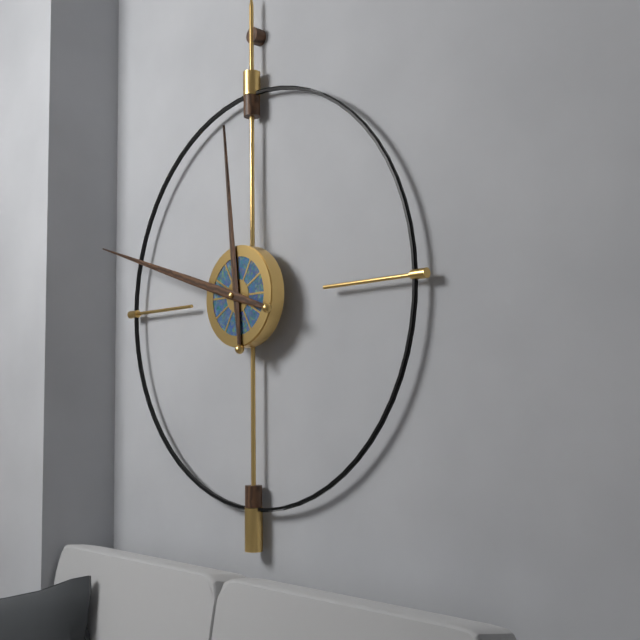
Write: 11 h 48 min
